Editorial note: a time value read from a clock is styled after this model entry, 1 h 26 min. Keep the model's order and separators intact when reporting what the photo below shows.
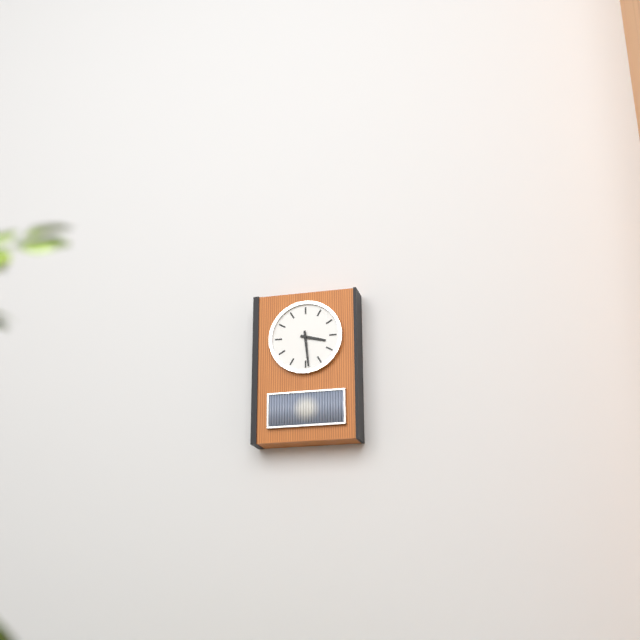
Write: 3 h 29 min
